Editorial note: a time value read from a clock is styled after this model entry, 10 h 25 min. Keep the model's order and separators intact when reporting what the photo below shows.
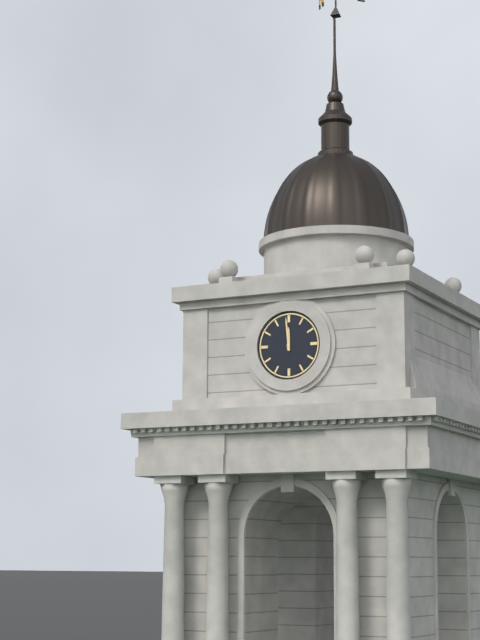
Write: 11 h 59 min
